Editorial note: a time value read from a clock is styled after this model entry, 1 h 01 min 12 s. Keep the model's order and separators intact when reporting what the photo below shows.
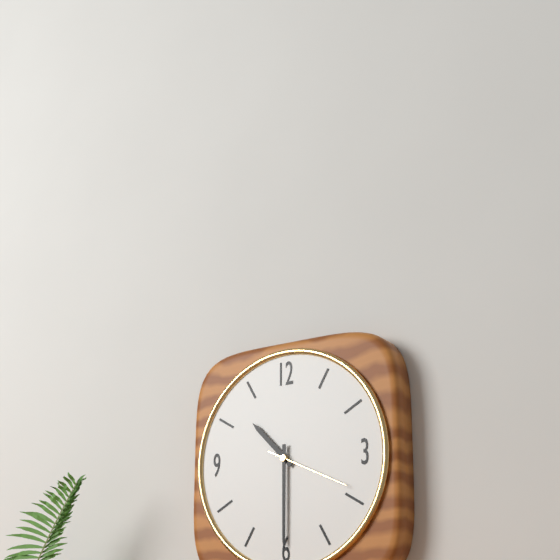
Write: 10 h 30 min 19 s
